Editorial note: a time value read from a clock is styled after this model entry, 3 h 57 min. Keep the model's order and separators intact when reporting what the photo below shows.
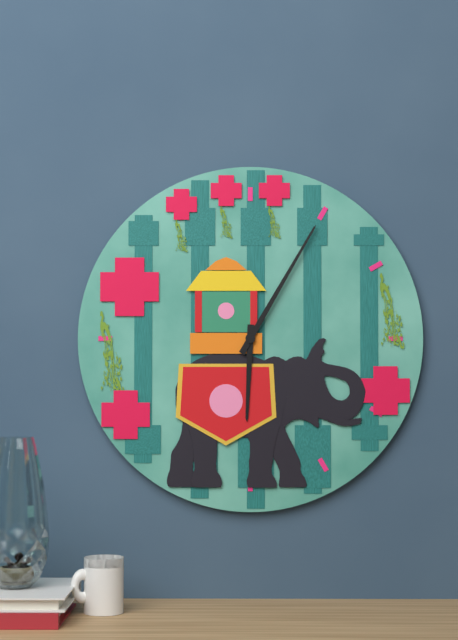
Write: 6 h 05 min
